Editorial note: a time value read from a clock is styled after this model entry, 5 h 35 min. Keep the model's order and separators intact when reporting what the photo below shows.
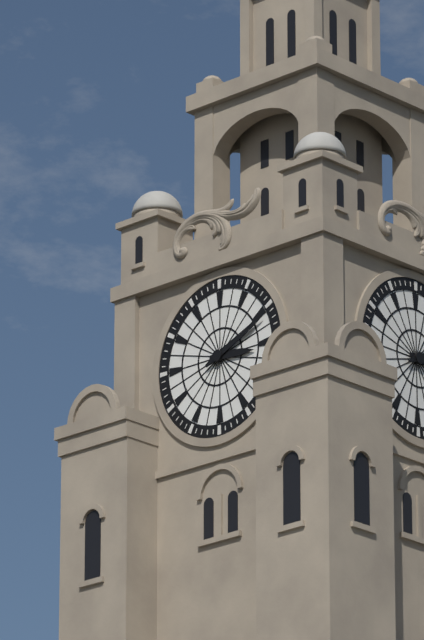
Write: 3 h 11 min
